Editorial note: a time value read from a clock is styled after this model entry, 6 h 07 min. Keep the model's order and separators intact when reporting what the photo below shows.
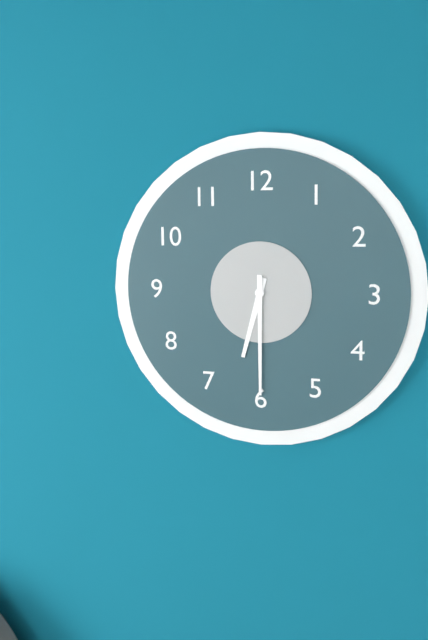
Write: 6 h 30 min
